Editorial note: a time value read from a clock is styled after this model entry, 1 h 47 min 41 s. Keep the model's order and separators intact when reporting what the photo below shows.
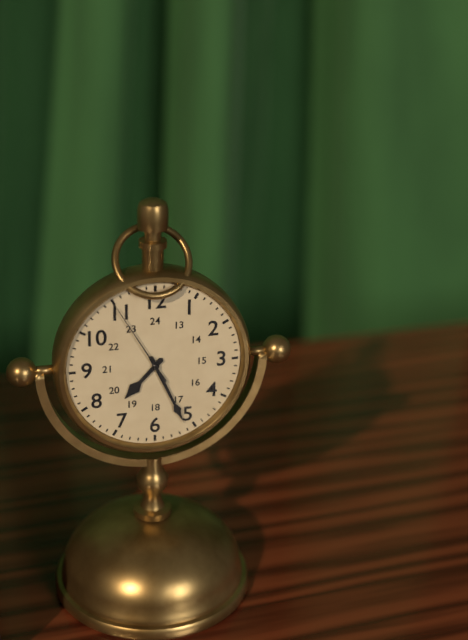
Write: 7 h 26 min 55 s
